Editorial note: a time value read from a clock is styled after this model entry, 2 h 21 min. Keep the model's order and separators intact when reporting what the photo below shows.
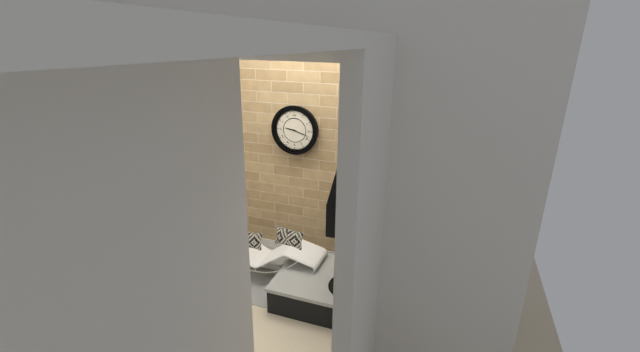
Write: 9 h 18 min
